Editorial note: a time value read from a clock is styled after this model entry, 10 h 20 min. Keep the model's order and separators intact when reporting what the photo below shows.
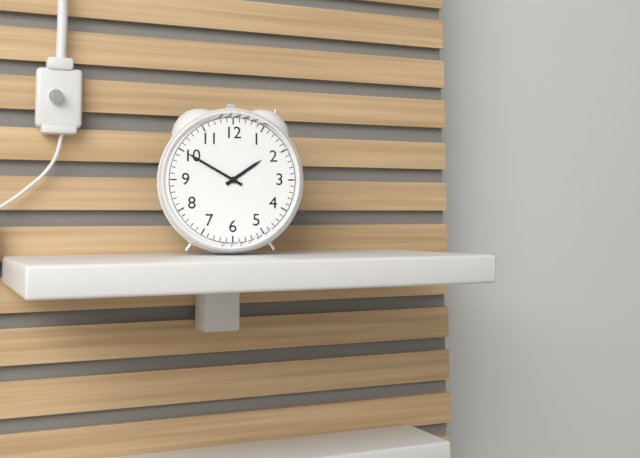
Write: 1 h 50 min
